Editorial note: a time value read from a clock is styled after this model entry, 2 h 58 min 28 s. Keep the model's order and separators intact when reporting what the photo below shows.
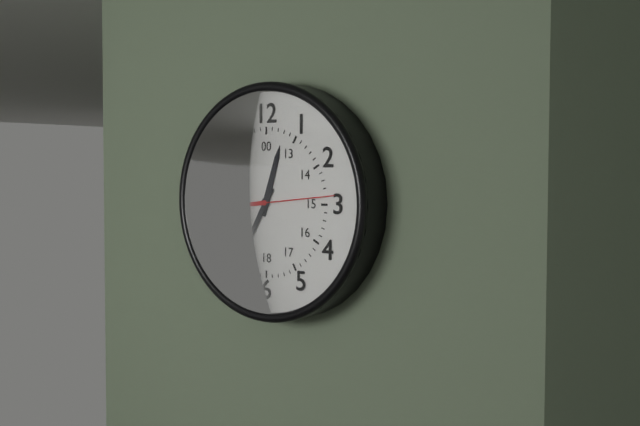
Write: 12 h 35 min 14 s
